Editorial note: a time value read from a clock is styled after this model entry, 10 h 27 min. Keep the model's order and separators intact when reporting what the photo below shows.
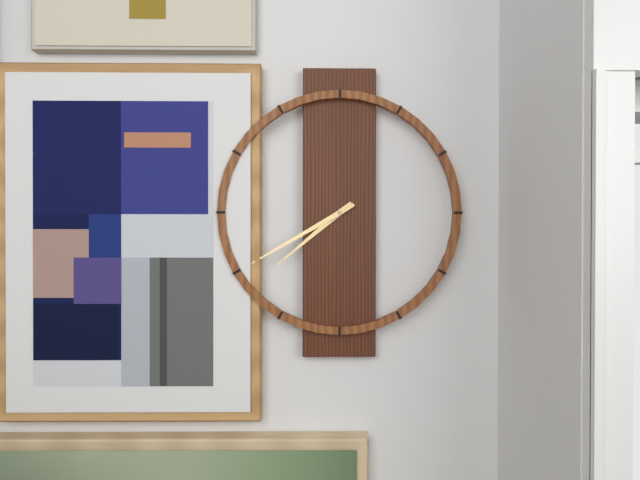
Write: 7 h 40 min
